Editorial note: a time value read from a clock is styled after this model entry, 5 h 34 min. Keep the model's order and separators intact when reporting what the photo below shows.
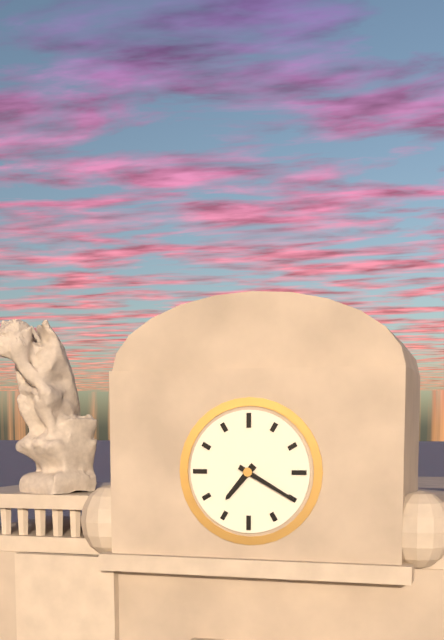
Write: 7 h 20 min
